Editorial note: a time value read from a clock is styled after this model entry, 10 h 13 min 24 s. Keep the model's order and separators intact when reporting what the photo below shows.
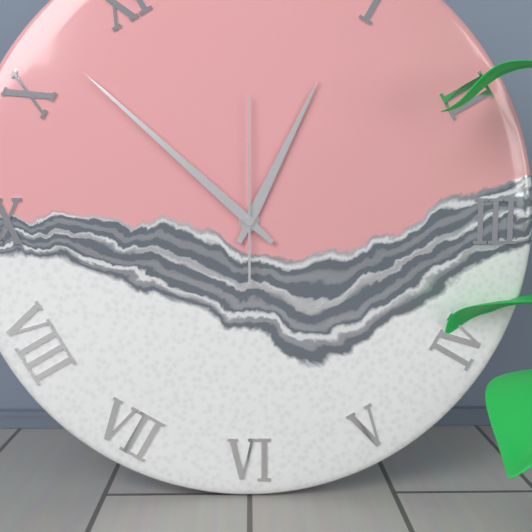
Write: 12 h 52 min 00 s
